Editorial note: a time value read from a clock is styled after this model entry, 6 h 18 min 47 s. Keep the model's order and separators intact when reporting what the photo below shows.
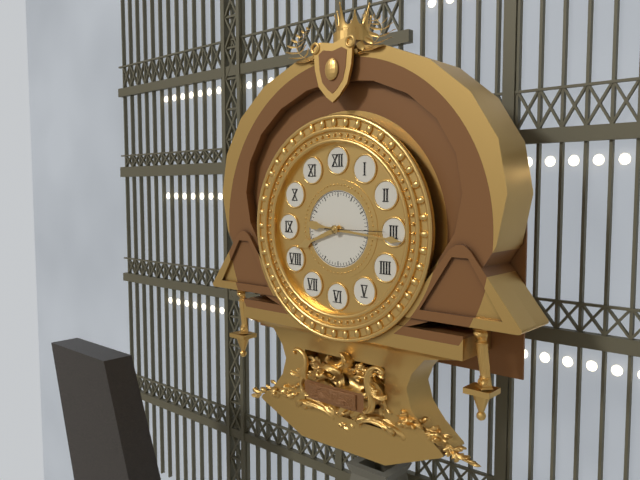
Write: 8 h 16 min 15 s
